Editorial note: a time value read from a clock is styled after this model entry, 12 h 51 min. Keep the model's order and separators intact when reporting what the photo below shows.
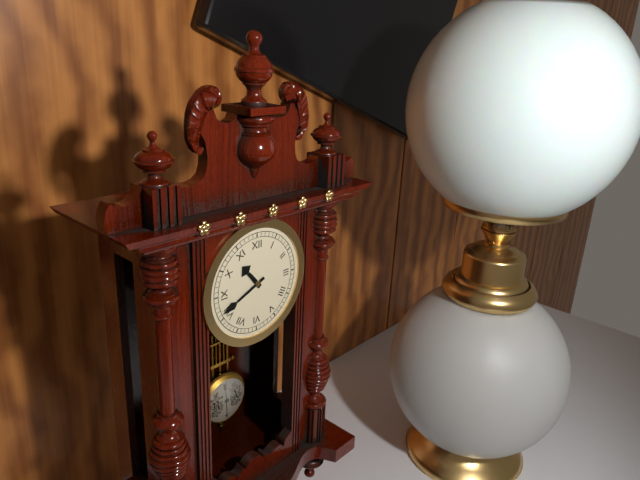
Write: 10 h 41 min
